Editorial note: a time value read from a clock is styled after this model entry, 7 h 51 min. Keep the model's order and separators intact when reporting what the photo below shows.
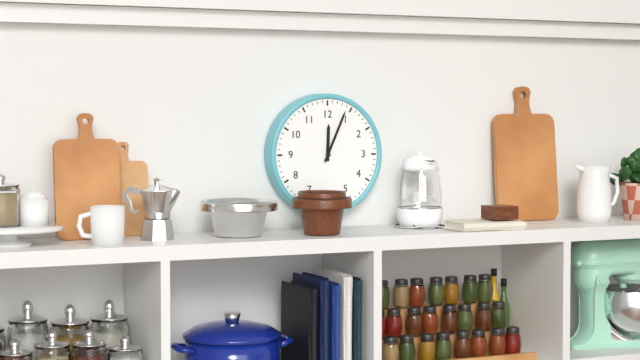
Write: 12 h 04 min
